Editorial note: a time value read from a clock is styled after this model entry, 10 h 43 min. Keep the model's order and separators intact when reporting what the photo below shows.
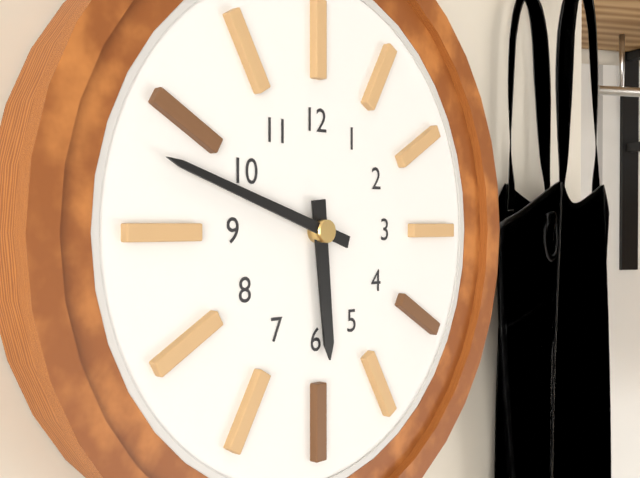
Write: 5 h 48 min
